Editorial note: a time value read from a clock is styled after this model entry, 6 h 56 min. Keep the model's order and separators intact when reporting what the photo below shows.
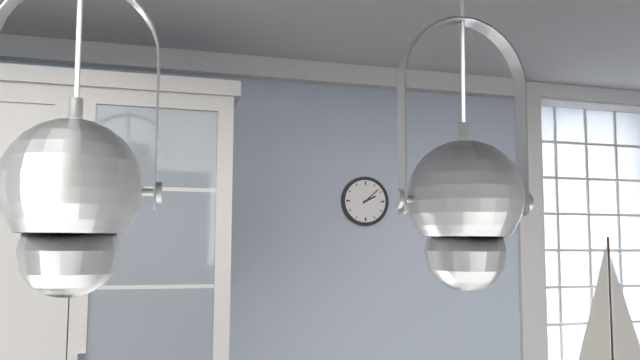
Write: 2 h 08 min
